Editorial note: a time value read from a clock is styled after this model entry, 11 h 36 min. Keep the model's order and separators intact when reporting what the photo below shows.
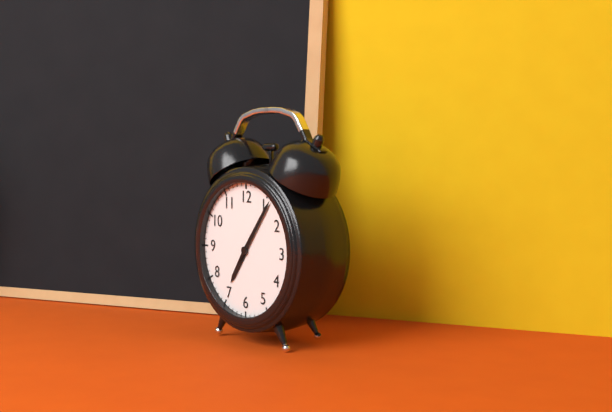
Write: 7 h 06 min
